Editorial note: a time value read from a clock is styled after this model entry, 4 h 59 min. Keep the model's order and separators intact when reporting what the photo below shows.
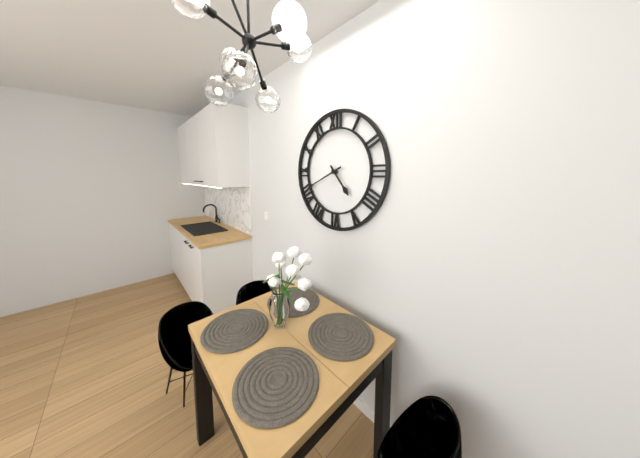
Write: 4 h 41 min
